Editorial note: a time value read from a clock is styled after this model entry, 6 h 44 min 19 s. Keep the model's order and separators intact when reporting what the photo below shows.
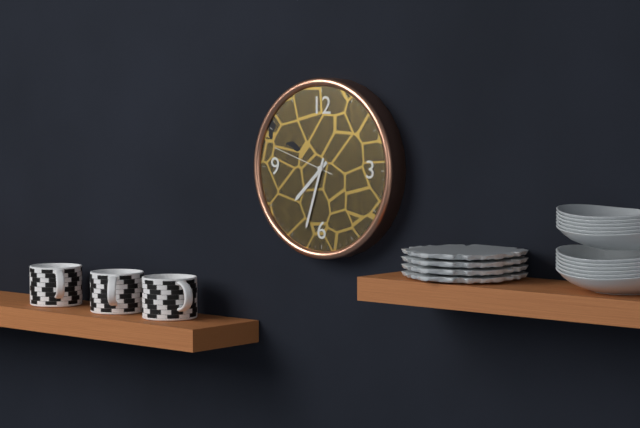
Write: 7 h 33 min 48 s
